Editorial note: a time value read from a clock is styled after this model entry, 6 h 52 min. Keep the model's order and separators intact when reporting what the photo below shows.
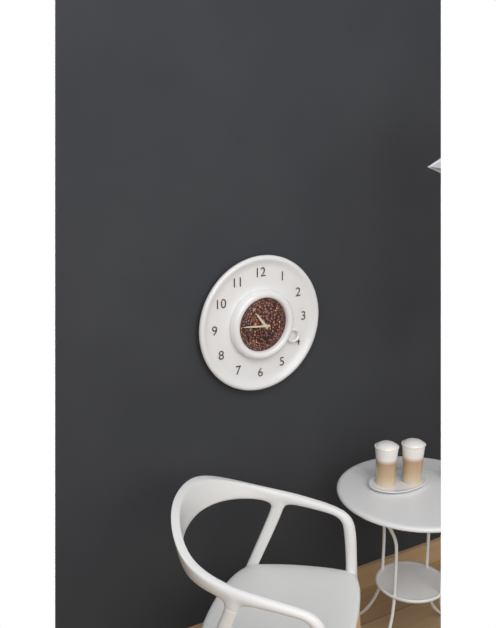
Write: 10 h 46 min
